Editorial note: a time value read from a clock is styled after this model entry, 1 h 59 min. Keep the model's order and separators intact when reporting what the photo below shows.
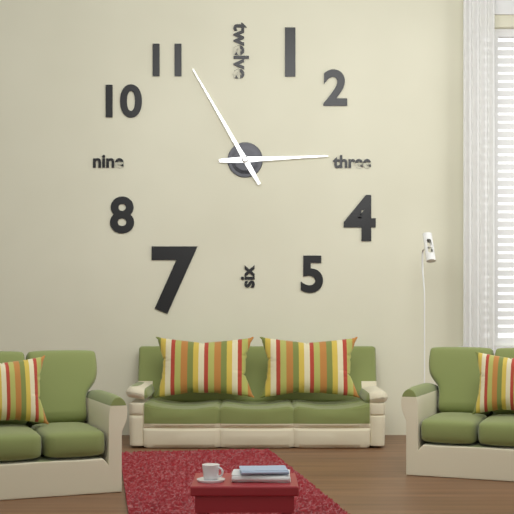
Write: 2 h 55 min
